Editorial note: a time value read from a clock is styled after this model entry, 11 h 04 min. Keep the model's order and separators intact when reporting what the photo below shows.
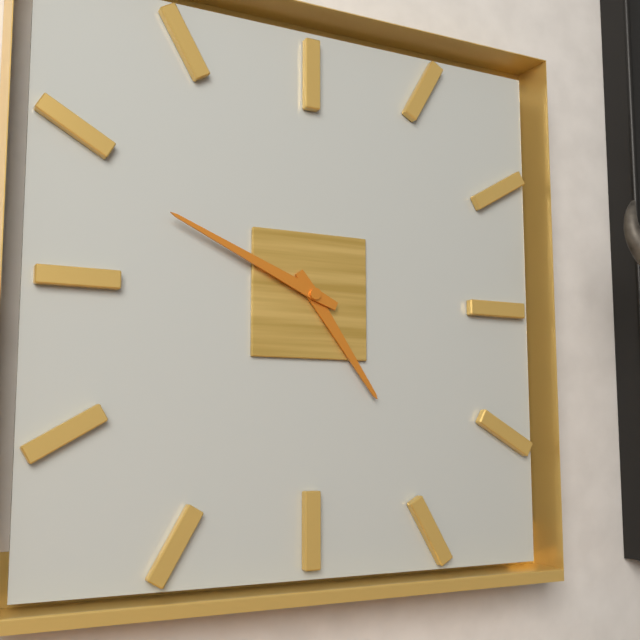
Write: 4 h 49 min
